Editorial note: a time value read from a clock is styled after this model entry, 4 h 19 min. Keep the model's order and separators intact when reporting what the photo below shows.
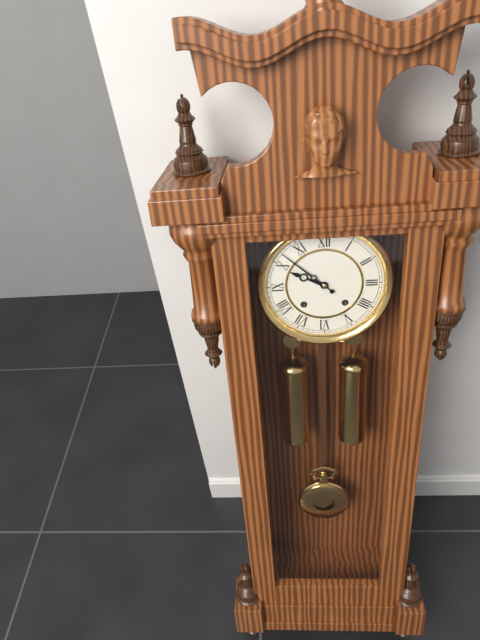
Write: 9 h 52 min
